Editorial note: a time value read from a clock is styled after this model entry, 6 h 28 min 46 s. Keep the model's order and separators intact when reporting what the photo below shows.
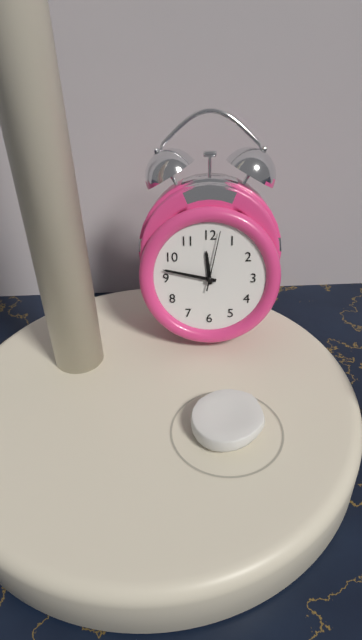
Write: 11 h 47 min 02 s
